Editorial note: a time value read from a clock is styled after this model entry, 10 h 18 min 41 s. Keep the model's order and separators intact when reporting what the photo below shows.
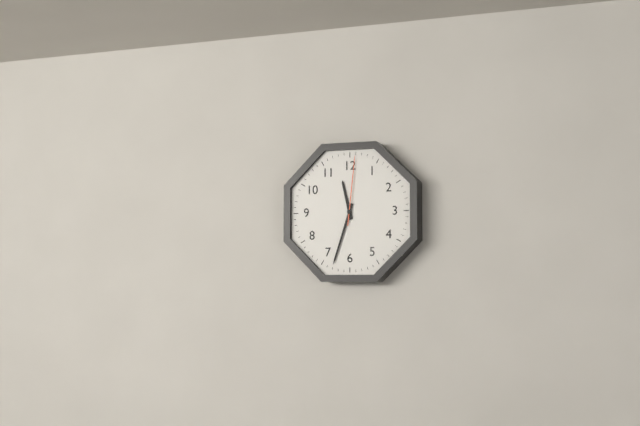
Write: 11 h 33 min 01 s
